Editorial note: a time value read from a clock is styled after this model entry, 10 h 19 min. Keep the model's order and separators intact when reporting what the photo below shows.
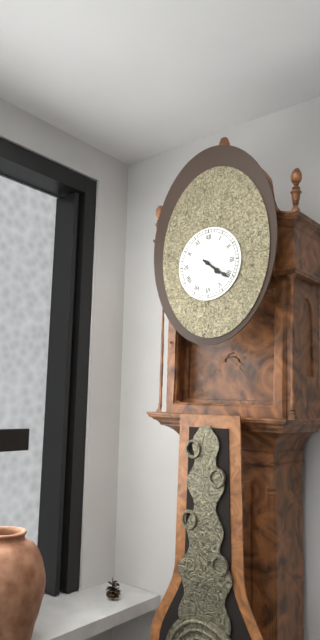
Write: 4 h 21 min
